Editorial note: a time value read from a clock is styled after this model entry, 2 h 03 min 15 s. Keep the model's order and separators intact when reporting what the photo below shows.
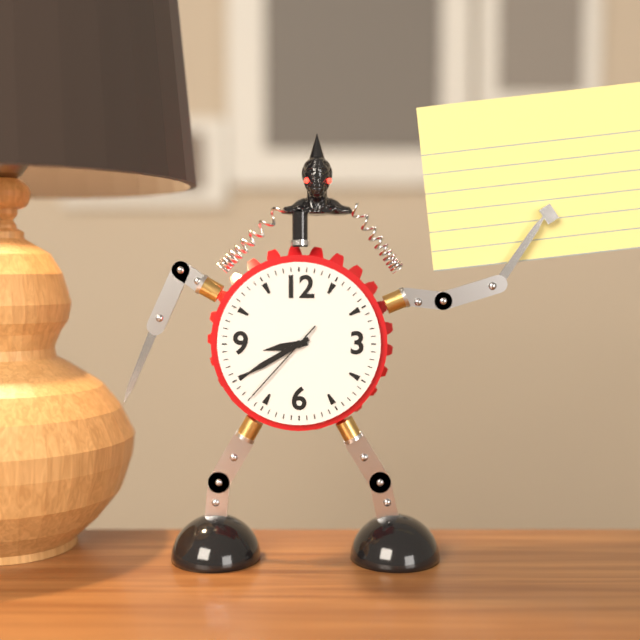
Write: 8 h 40 min 37 s
